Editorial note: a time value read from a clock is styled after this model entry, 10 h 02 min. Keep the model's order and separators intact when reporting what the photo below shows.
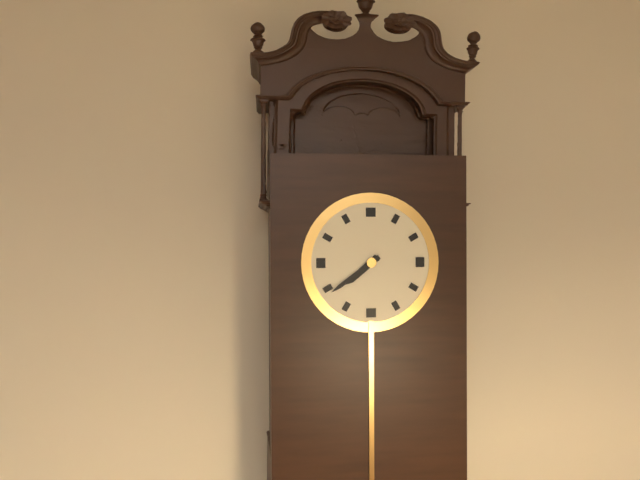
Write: 7 h 39 min
